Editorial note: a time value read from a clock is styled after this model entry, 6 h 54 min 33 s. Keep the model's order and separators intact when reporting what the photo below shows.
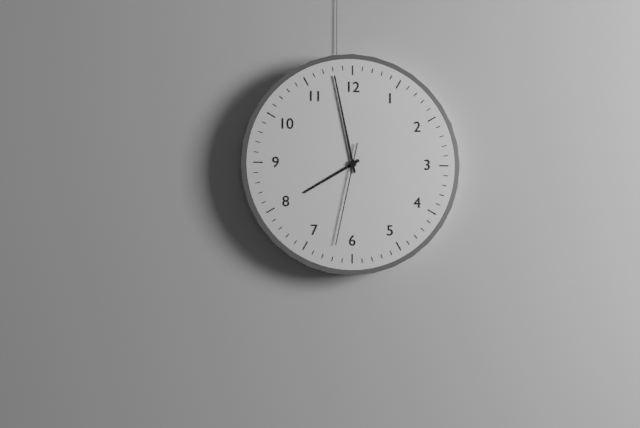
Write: 7 h 58 min 32 s
